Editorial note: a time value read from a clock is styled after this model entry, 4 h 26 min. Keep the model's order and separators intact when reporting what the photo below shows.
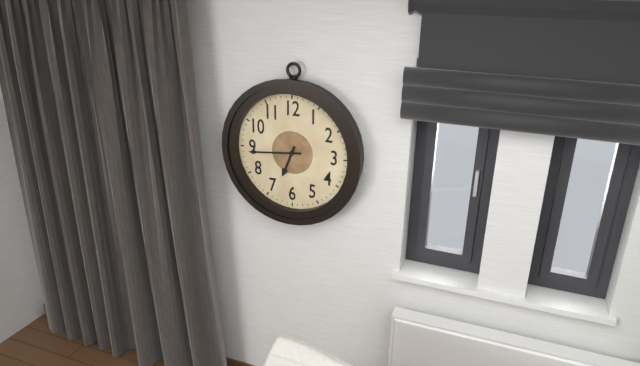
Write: 6 h 44 min
